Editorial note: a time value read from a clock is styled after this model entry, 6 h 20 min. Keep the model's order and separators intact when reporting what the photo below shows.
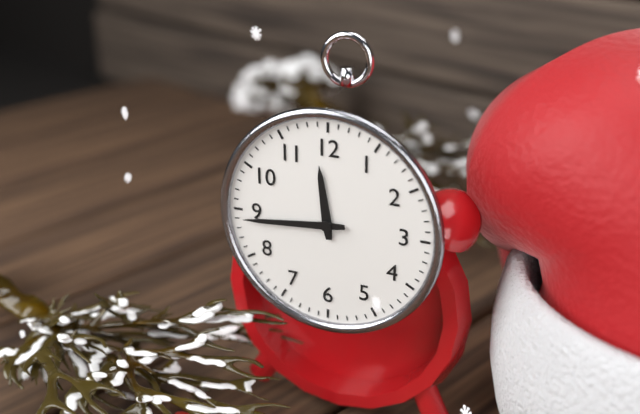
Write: 11 h 44 min
